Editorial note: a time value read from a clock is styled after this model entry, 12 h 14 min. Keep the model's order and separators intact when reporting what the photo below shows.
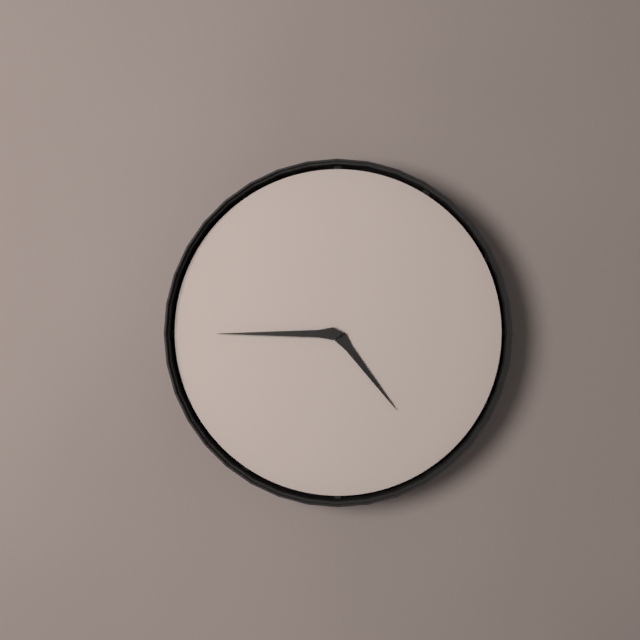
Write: 4 h 45 min
